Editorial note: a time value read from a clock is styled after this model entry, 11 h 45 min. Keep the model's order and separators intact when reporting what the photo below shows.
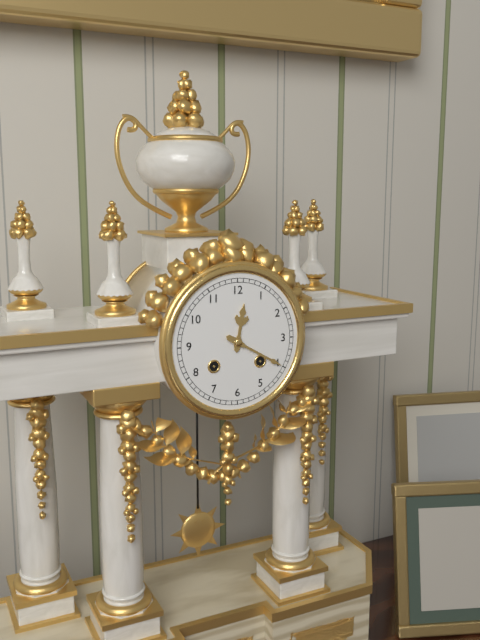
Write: 12 h 20 min
